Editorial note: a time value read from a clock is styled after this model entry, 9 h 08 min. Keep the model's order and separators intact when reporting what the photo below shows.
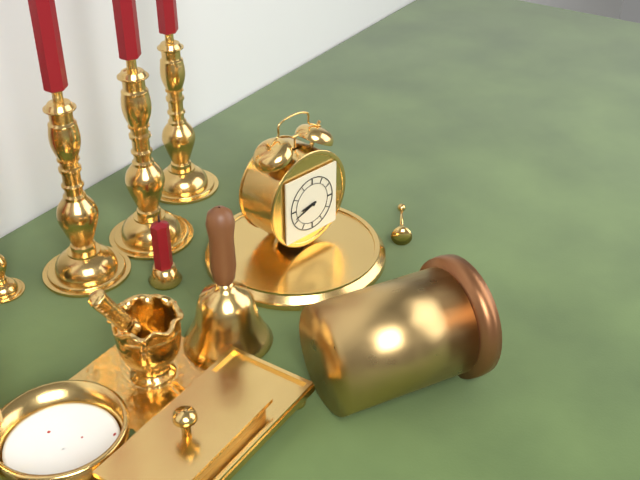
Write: 8 h 42 min
